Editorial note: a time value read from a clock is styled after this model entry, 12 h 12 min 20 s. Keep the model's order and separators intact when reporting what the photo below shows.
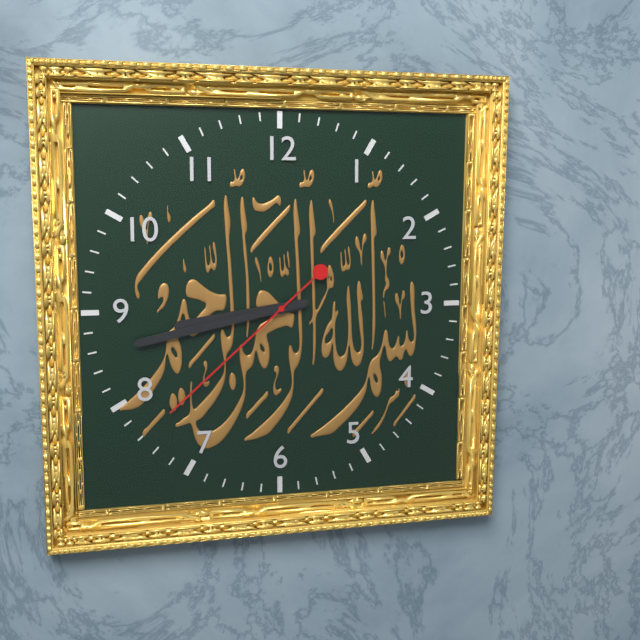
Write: 8 h 43 min 38 s
